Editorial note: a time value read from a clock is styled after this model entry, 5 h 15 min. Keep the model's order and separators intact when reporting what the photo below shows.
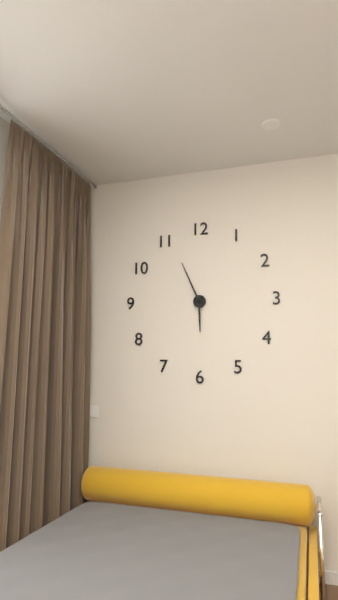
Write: 5 h 56 min
